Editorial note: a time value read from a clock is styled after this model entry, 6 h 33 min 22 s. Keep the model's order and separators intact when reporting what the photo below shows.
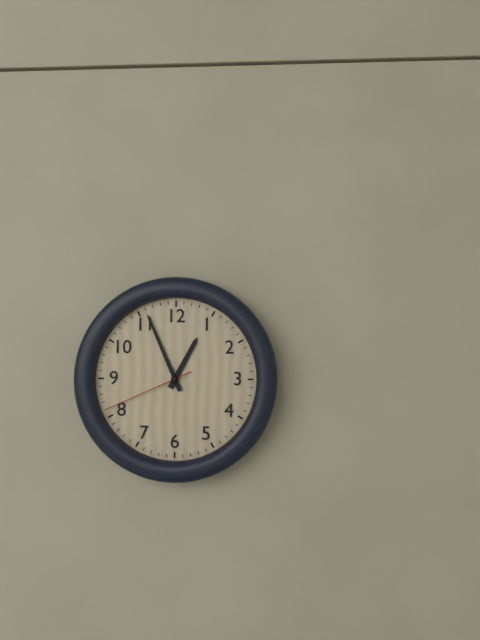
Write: 12 h 56 min 41 s
